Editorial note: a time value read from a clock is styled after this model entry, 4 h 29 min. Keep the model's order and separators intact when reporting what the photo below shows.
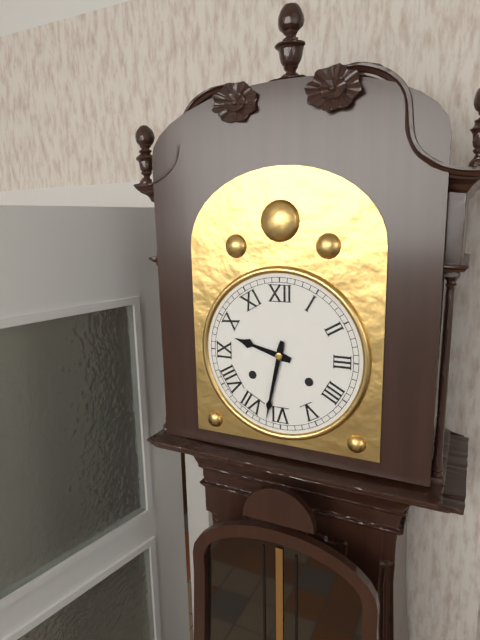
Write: 9 h 32 min
